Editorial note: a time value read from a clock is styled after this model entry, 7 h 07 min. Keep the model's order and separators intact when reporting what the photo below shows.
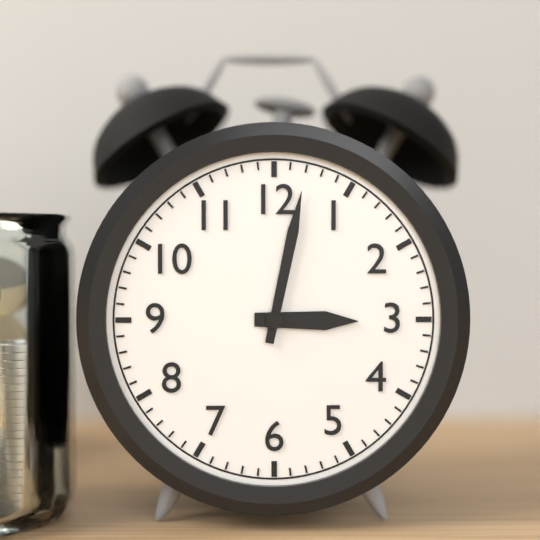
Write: 3 h 02 min
